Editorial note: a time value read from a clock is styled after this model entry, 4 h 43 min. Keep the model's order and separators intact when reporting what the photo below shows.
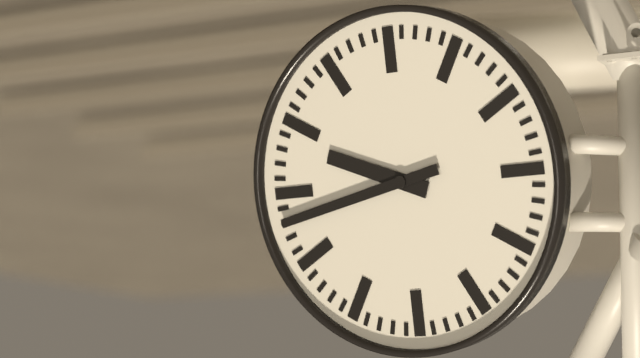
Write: 9 h 43 min
